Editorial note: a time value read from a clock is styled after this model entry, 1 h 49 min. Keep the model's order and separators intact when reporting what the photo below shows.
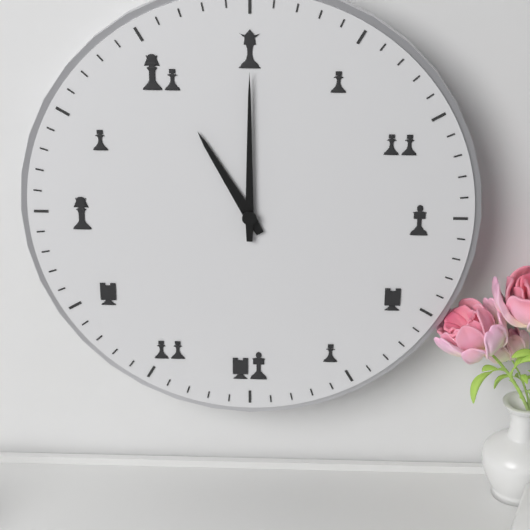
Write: 11 h 00 min
